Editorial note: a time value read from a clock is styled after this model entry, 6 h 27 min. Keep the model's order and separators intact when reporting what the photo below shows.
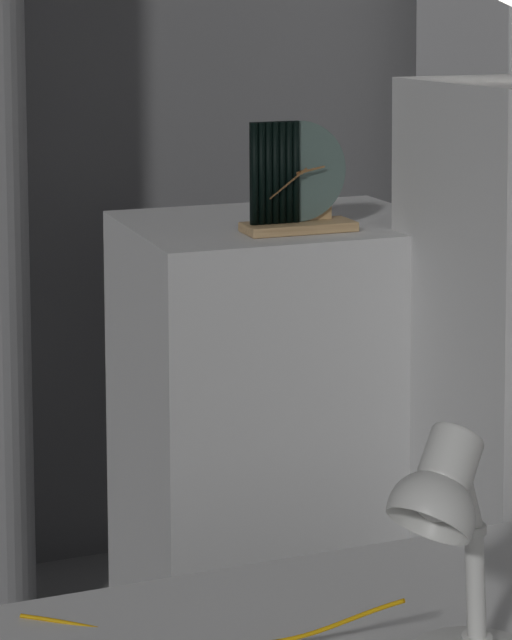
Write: 2 h 39 min
